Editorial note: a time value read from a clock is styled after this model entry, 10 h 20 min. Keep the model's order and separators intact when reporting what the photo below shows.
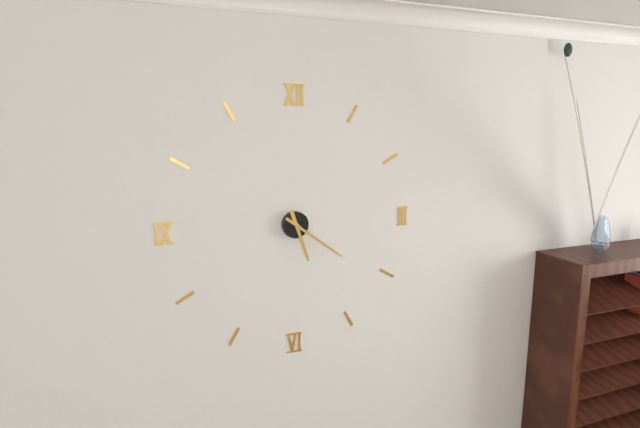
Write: 5 h 21 min
